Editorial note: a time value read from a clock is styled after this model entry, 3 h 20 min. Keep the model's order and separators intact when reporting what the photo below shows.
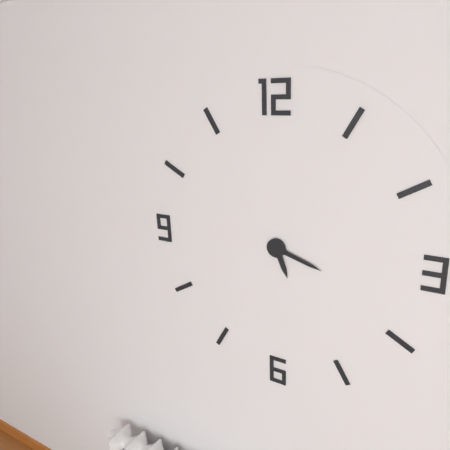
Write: 5 h 18 min
